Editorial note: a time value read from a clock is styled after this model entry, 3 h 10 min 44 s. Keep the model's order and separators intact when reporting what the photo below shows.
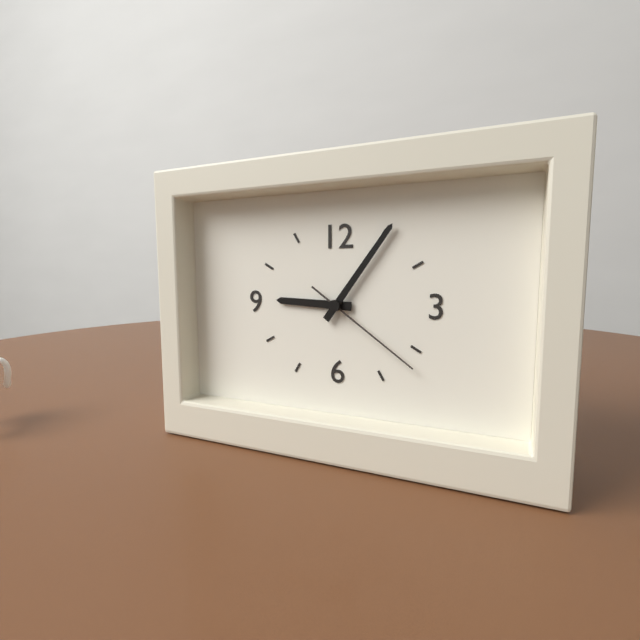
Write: 9 h 06 min 21 s
